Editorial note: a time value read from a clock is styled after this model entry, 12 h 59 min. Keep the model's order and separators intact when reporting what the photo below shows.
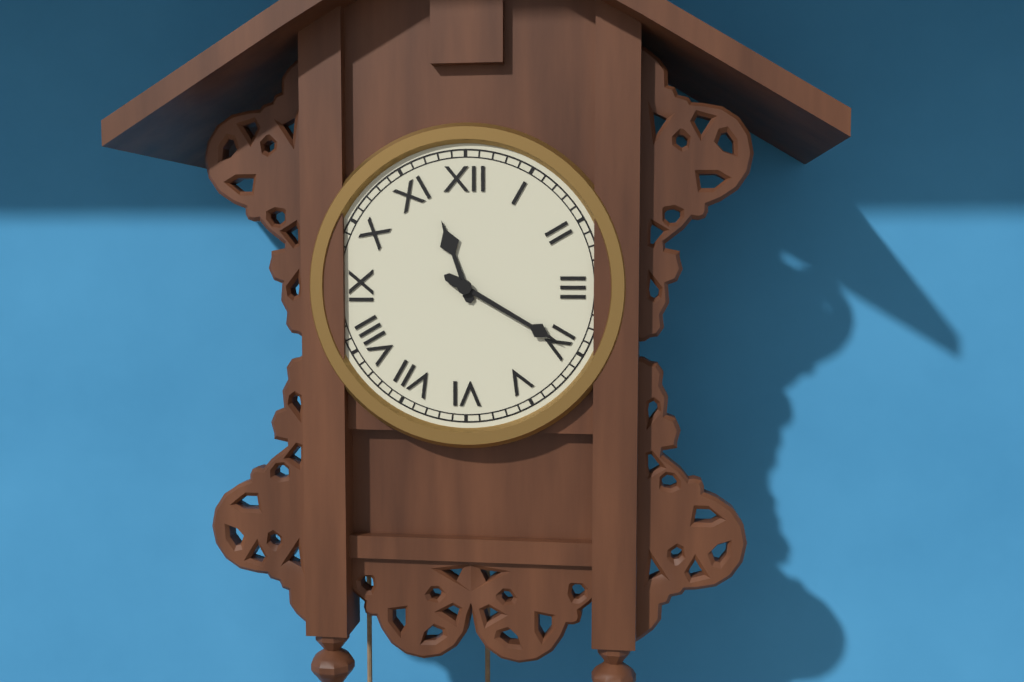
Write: 11 h 20 min
